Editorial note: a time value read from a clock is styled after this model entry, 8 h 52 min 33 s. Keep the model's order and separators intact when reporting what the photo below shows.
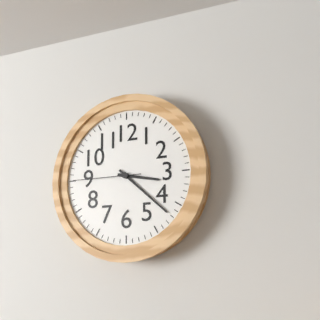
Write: 3 h 22 min 45 s
